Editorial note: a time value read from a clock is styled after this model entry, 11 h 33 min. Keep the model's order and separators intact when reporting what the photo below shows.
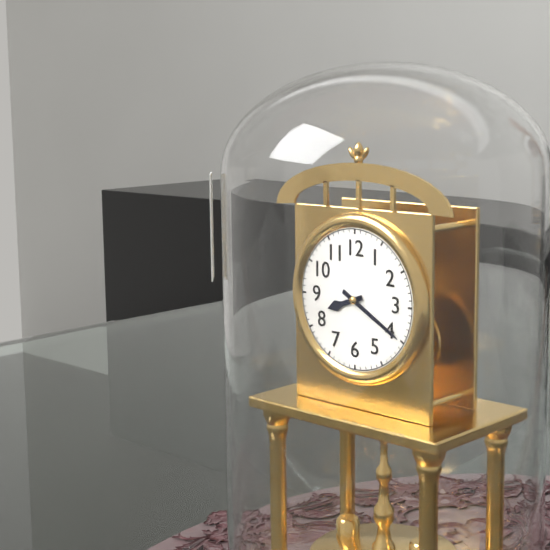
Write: 8 h 20 min
